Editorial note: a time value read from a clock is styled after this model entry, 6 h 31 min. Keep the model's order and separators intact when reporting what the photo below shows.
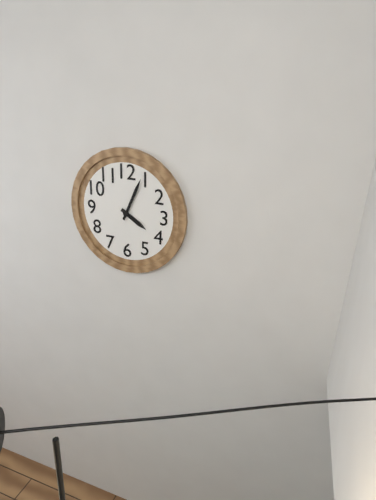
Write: 4 h 04 min
